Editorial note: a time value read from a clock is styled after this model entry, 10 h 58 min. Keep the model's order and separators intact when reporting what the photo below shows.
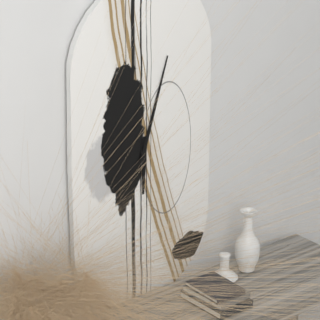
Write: 6 h 03 min
